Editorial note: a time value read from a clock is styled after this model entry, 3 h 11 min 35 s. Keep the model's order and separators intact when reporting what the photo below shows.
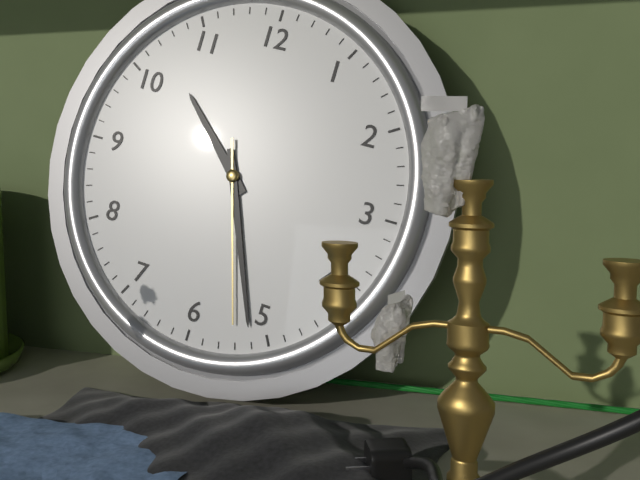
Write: 10 h 26 min 27 s
